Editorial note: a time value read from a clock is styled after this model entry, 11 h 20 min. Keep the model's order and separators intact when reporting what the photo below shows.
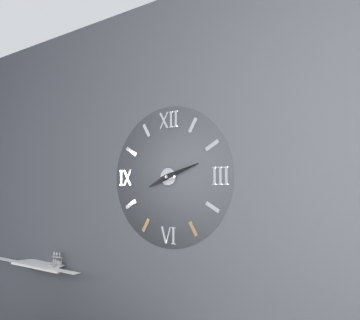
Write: 8 h 12 min
